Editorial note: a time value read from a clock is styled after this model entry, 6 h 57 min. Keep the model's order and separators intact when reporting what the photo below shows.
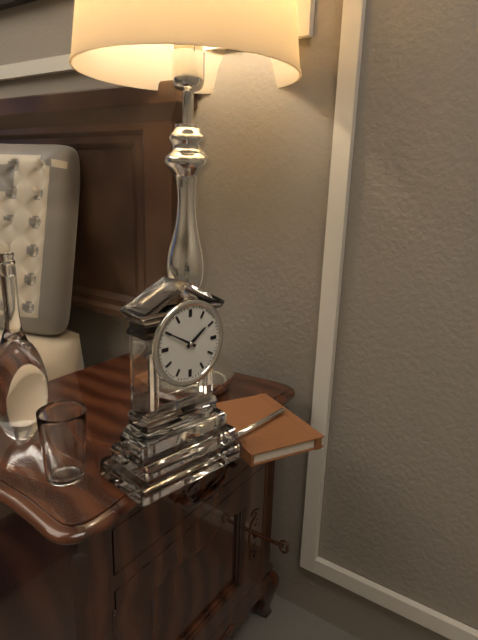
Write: 1 h 50 min
